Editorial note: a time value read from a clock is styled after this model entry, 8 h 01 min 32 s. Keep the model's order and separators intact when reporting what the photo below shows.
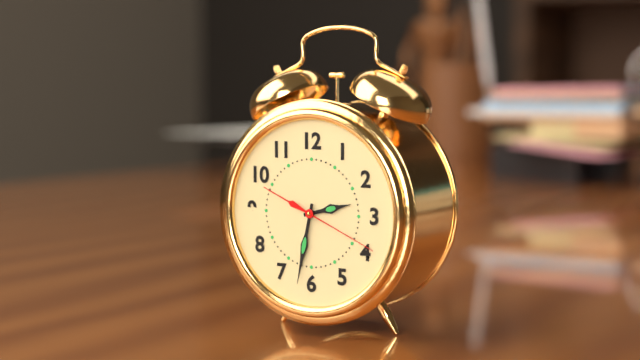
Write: 2 h 32 min 19 s
